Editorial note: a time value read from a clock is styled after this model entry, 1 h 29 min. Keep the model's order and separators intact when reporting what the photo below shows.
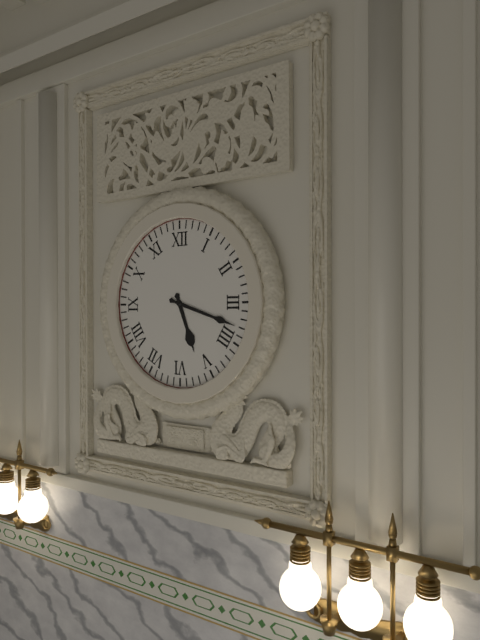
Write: 5 h 18 min
